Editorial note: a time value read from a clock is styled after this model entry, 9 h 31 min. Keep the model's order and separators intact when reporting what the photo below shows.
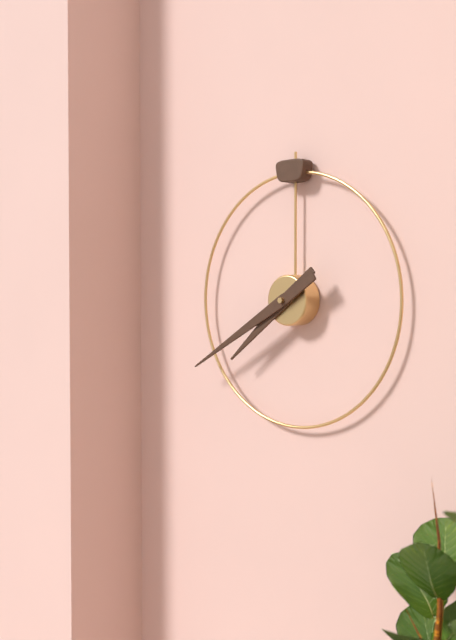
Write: 7 h 40 min
